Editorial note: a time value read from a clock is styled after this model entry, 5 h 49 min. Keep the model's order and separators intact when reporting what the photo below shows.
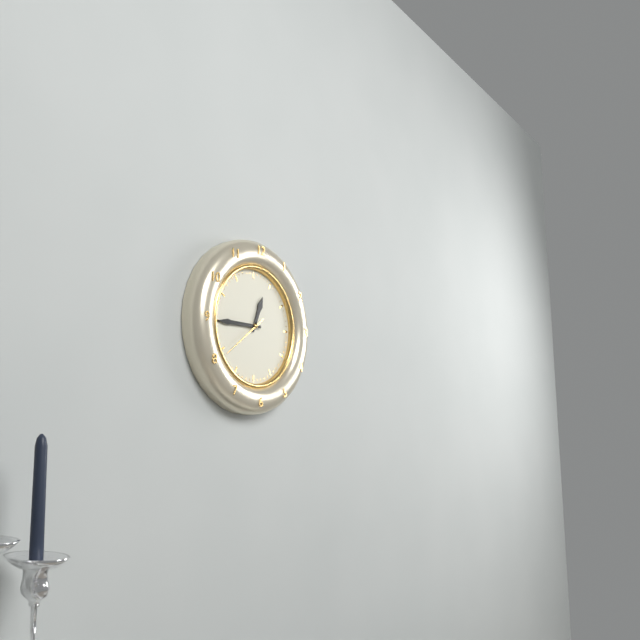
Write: 12 h 45 min
